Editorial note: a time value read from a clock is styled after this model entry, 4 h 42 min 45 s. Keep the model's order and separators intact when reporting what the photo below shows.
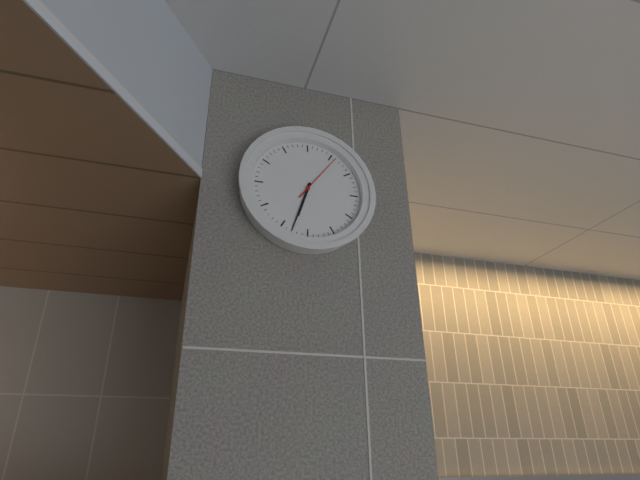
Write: 6 h 33 min 06 s
